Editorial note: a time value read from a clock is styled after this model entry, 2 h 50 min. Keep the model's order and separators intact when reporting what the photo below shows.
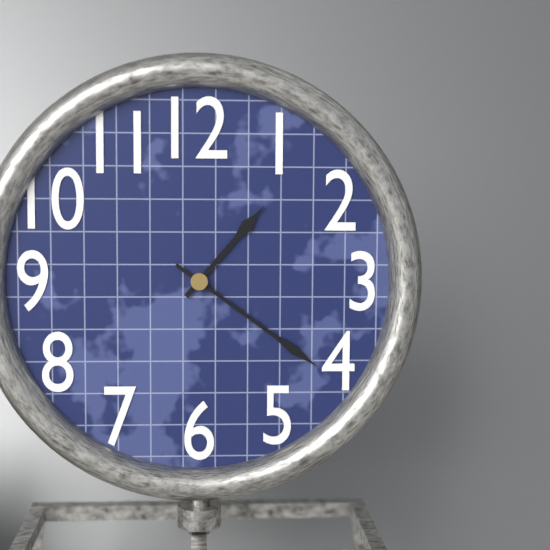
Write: 1 h 21 min
